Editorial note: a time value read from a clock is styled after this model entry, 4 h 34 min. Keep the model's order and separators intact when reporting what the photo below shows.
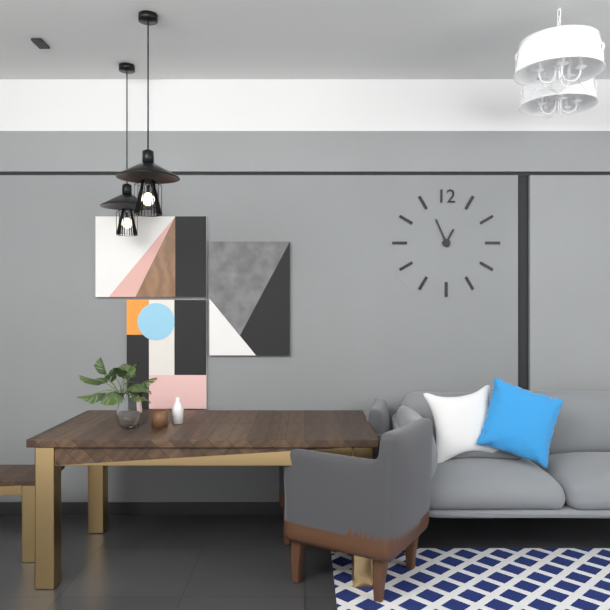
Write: 12 h 56 min
